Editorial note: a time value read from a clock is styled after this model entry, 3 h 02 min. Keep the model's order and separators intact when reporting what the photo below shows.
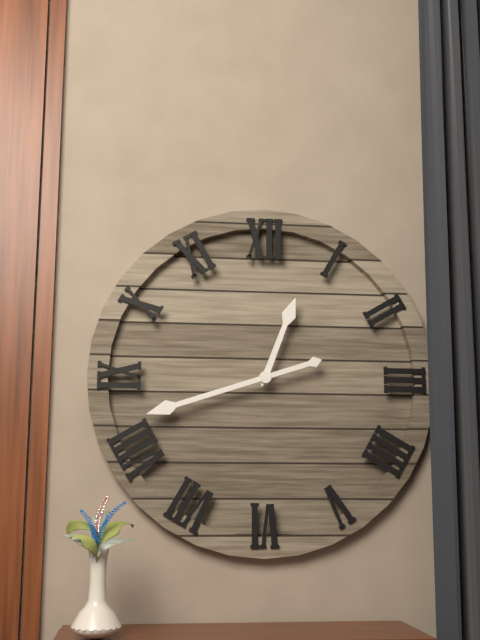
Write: 12 h 42 min
